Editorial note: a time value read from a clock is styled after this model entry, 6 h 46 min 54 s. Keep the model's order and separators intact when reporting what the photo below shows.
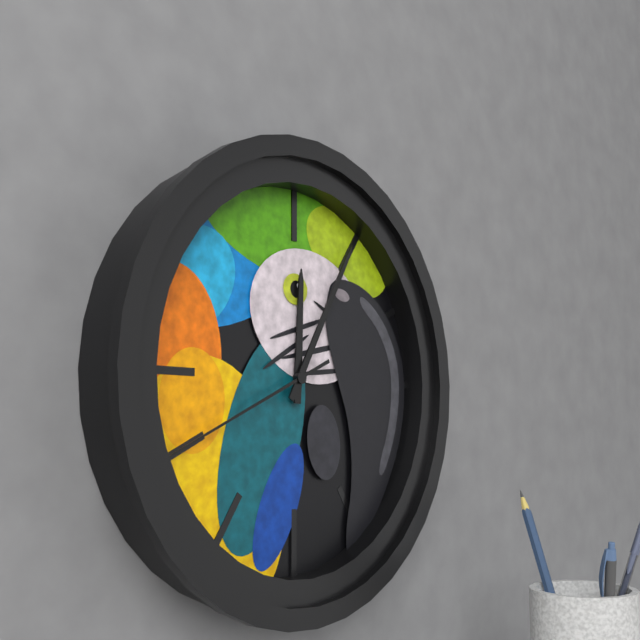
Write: 12 h 05 min 41 s
